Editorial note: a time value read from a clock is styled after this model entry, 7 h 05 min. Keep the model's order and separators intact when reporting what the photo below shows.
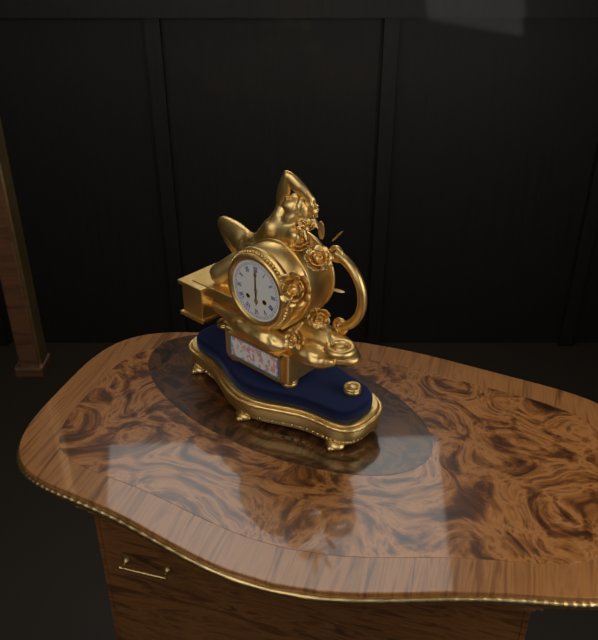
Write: 6 h 00 min
